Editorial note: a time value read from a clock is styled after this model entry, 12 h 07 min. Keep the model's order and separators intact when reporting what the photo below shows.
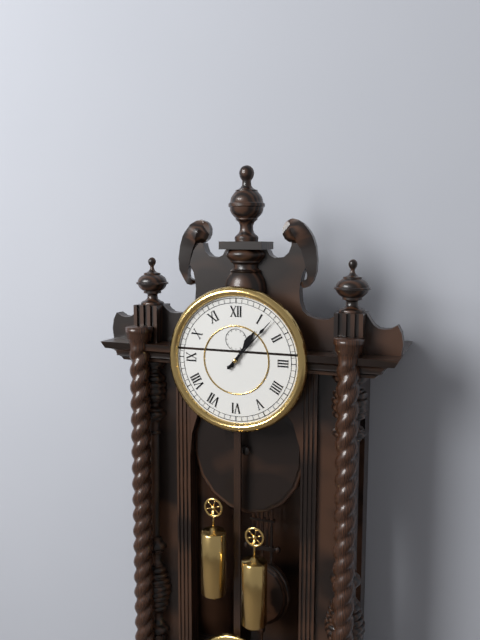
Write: 1 h 07 min
